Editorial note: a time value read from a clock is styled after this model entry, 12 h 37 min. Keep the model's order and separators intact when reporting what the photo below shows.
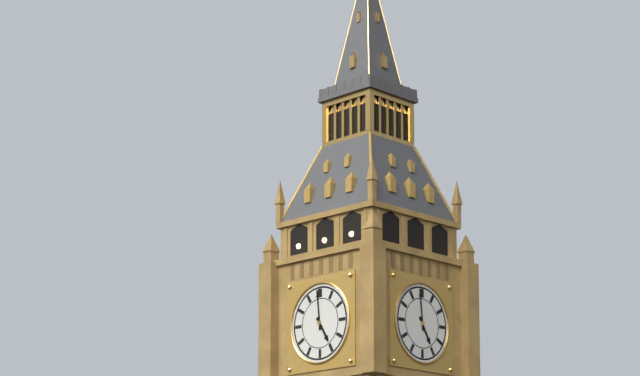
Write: 4 h 59 min
